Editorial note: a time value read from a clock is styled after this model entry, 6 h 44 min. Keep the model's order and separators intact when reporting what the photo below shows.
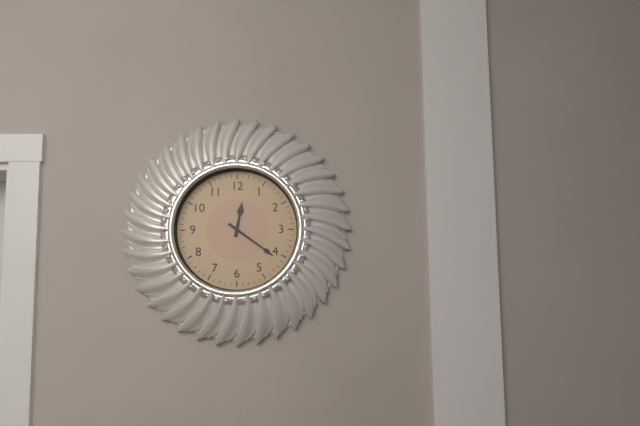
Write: 12 h 21 min
